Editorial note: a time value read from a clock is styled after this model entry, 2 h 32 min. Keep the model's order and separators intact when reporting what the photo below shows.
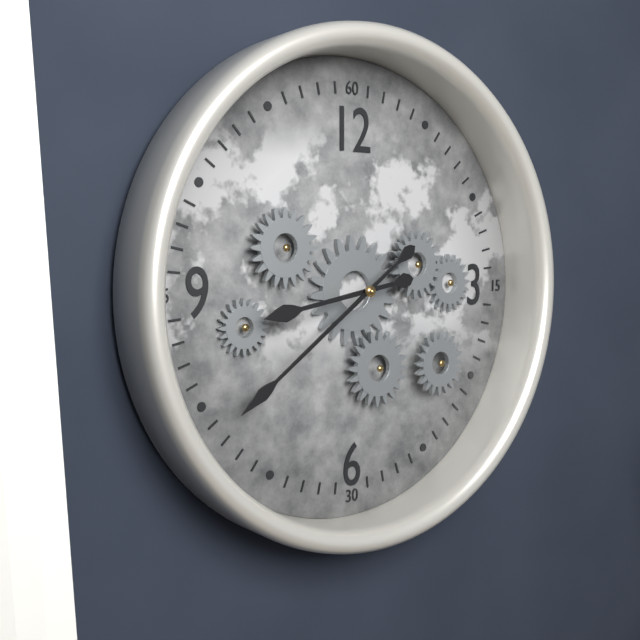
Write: 8 h 39 min
